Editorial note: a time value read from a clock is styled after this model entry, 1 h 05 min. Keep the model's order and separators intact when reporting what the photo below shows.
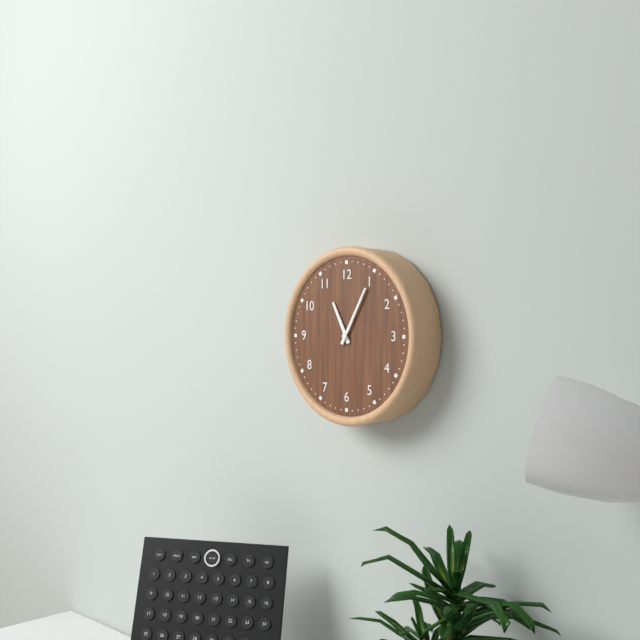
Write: 11 h 05 min
